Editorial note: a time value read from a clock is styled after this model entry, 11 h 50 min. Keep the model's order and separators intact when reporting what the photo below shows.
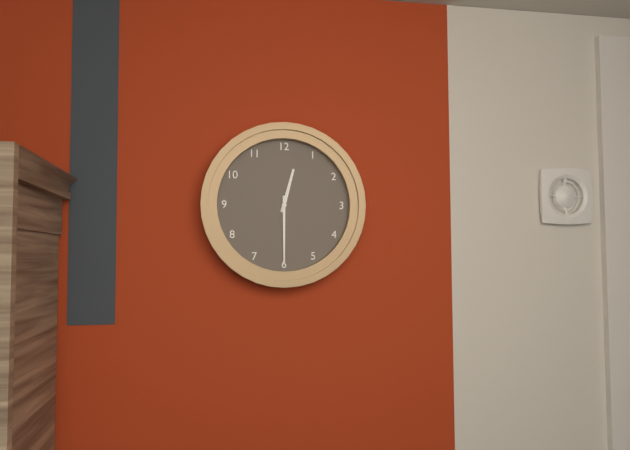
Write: 12 h 30 min
